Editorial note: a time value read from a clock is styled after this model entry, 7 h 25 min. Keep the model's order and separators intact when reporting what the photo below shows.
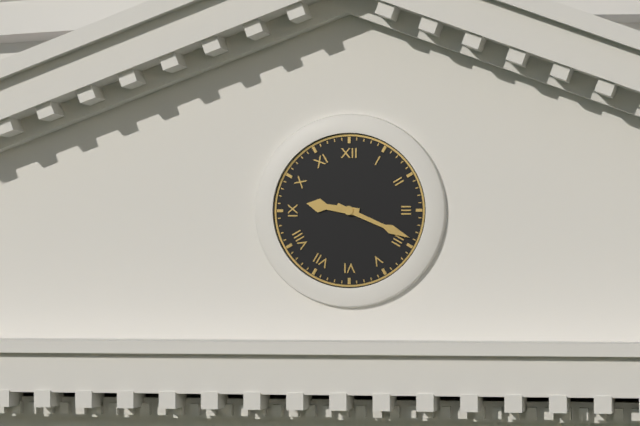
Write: 9 h 19 min
